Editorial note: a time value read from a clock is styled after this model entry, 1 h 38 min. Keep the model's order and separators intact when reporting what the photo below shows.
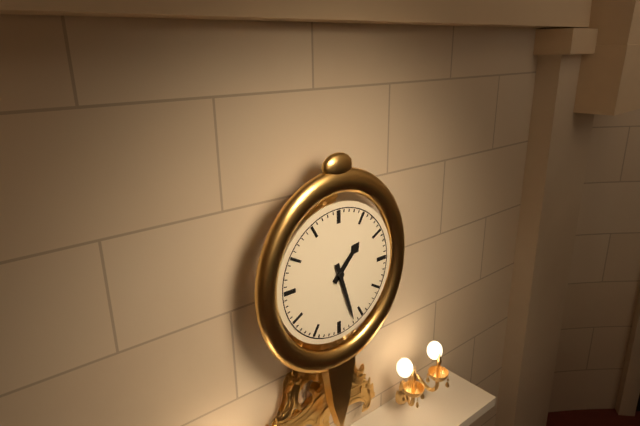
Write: 1 h 27 min
